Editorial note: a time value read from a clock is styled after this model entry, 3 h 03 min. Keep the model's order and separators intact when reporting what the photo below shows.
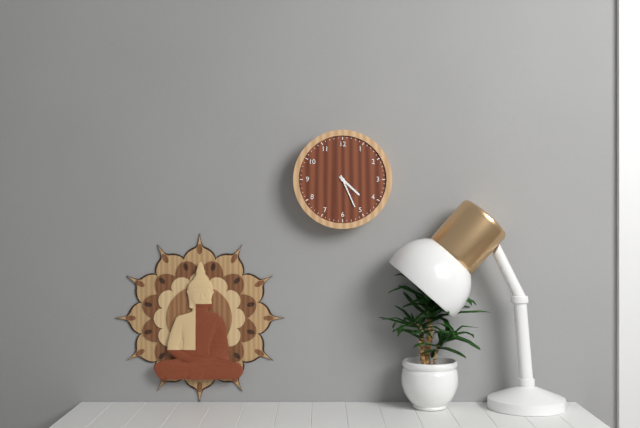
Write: 4 h 26 min
